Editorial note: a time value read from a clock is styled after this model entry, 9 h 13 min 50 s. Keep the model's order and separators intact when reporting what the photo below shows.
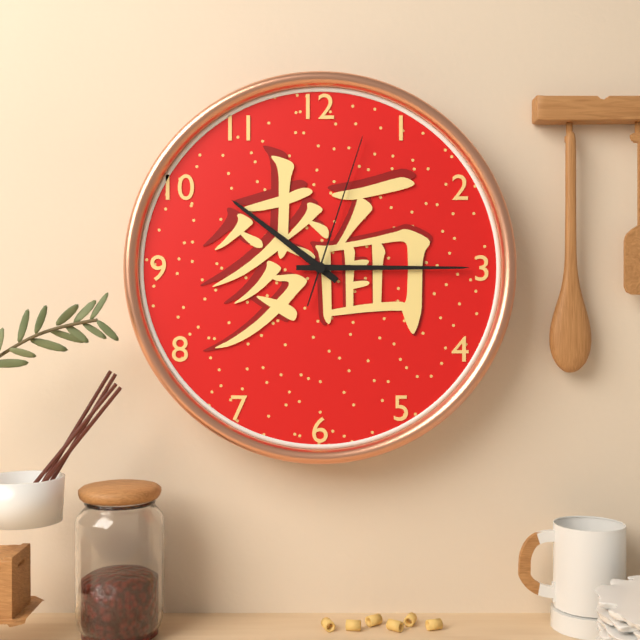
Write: 10 h 15 min 03 s
